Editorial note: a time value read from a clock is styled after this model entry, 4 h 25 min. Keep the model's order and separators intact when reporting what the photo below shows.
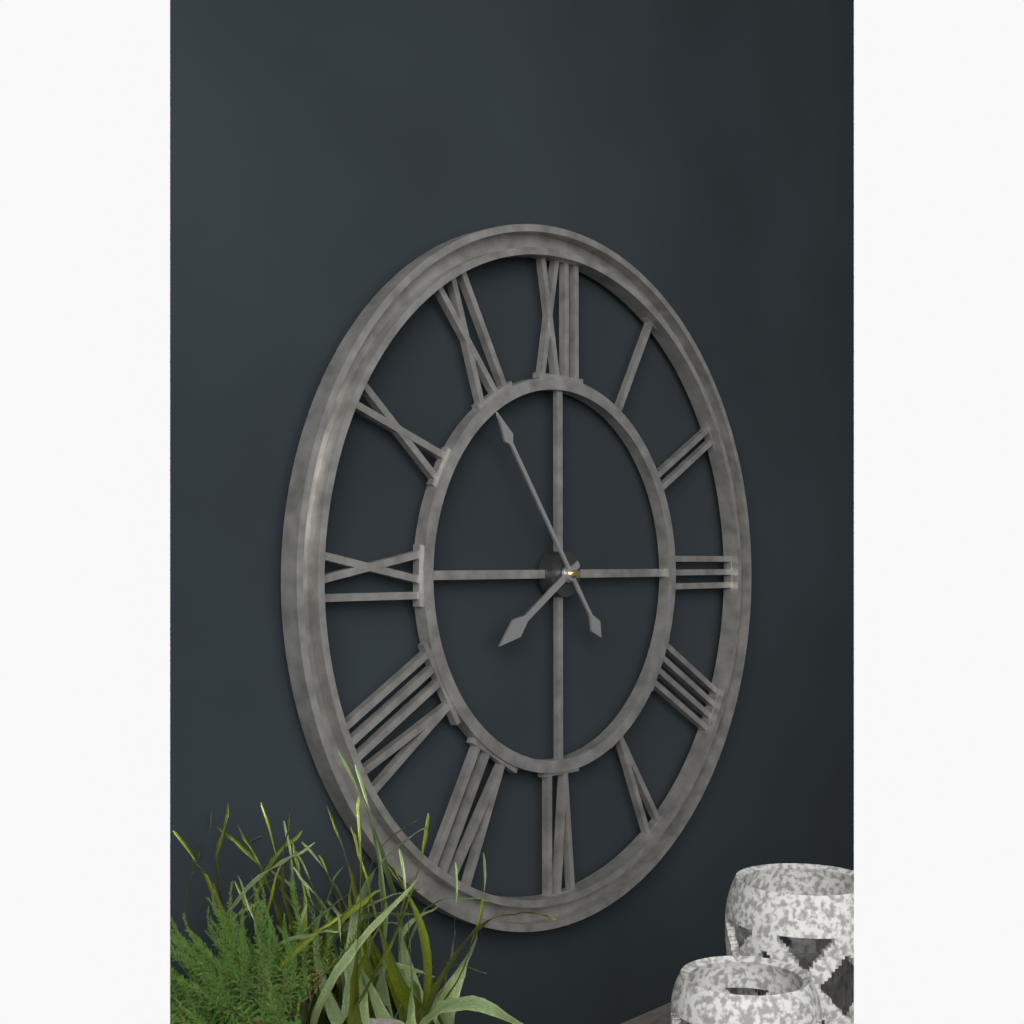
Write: 7 h 54 min
